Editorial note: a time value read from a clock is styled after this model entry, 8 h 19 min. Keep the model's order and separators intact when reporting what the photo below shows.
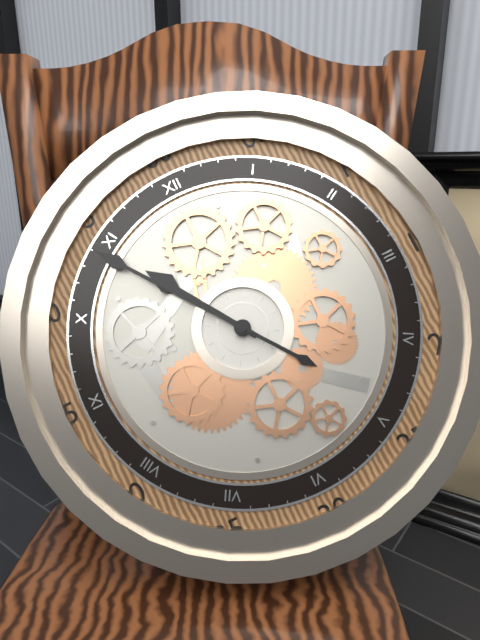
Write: 10 h 54 min
